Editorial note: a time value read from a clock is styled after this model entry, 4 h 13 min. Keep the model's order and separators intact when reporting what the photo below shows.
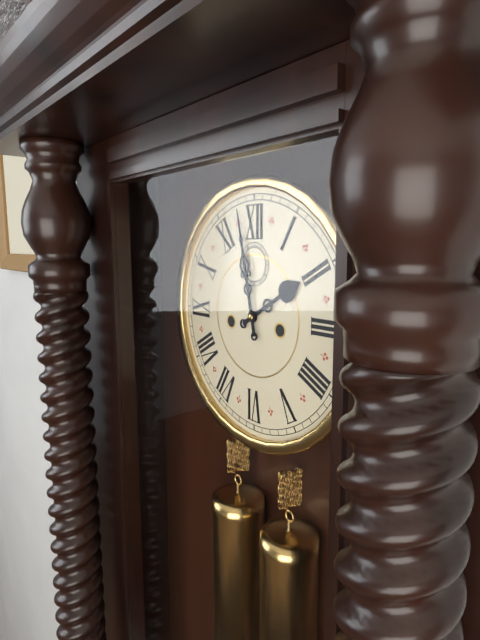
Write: 1 h 58 min
